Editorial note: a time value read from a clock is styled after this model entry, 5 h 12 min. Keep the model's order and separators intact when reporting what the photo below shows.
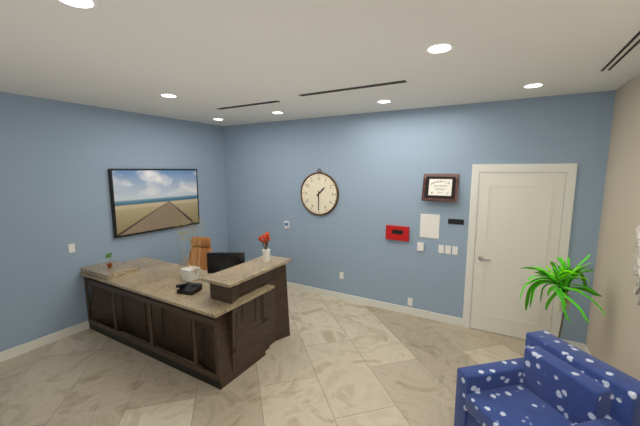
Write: 1 h 30 min
